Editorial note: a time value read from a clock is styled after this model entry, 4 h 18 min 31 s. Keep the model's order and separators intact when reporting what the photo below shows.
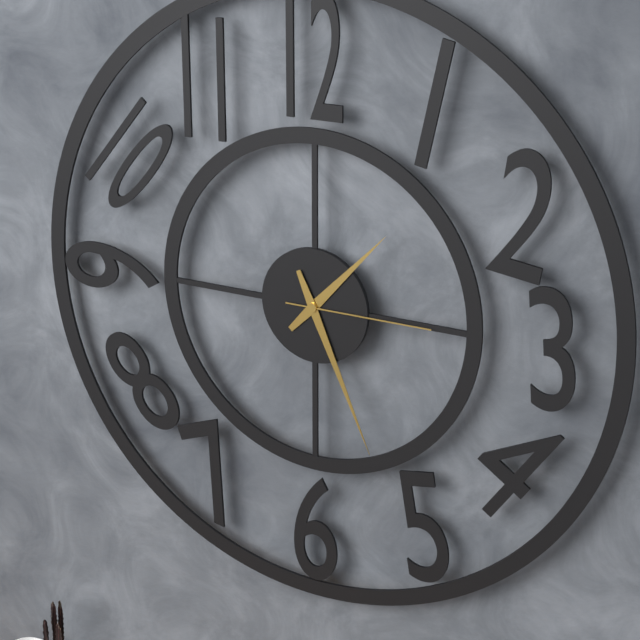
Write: 1 h 26 min 15 s
